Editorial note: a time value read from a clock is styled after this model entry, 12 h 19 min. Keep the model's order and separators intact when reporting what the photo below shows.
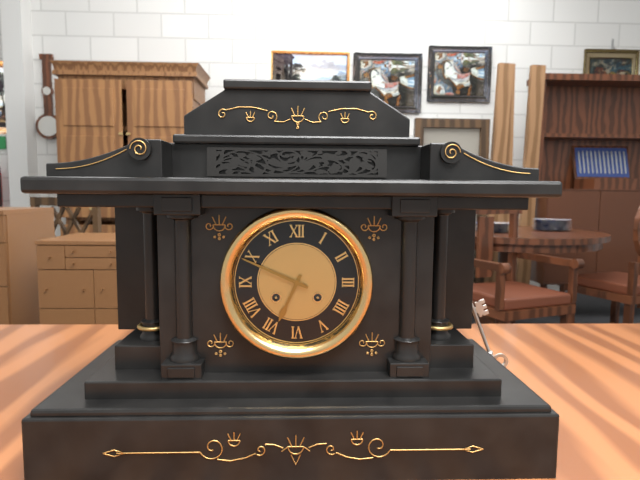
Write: 6 h 49 min
